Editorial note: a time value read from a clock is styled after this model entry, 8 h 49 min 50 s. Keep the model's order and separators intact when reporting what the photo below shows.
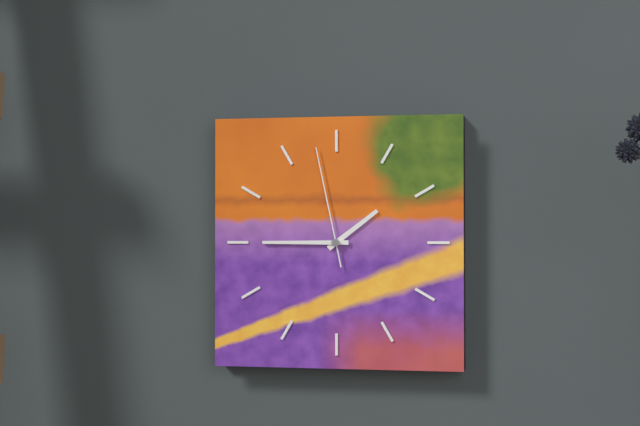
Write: 1 h 45 min 58 s
